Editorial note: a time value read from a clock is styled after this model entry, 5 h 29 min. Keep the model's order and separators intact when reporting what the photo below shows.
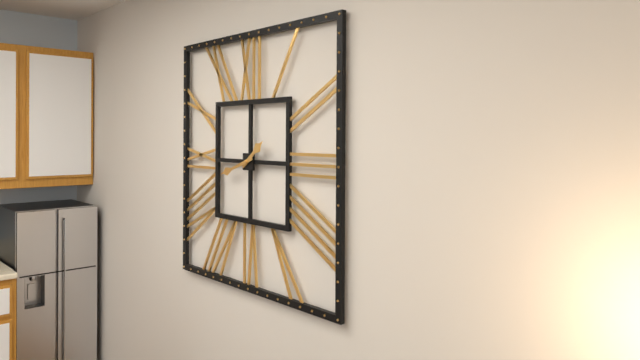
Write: 1 h 42 min
